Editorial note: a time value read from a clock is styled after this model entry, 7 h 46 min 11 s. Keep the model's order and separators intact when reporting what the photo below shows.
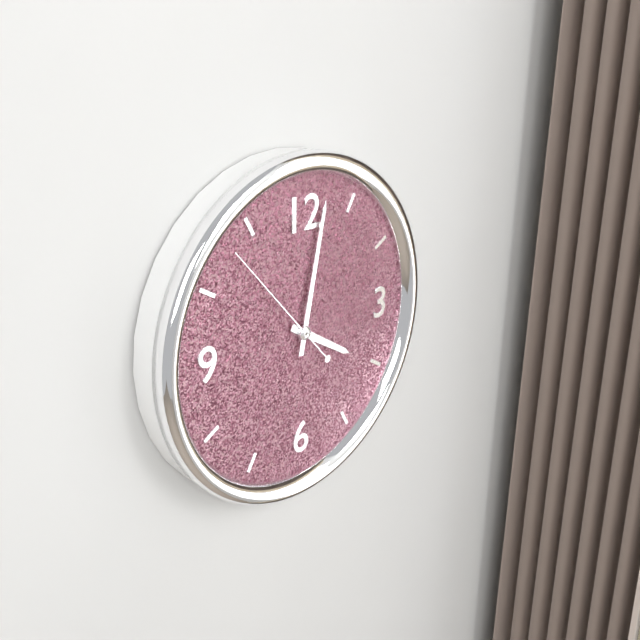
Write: 4 h 02 min 53 s
